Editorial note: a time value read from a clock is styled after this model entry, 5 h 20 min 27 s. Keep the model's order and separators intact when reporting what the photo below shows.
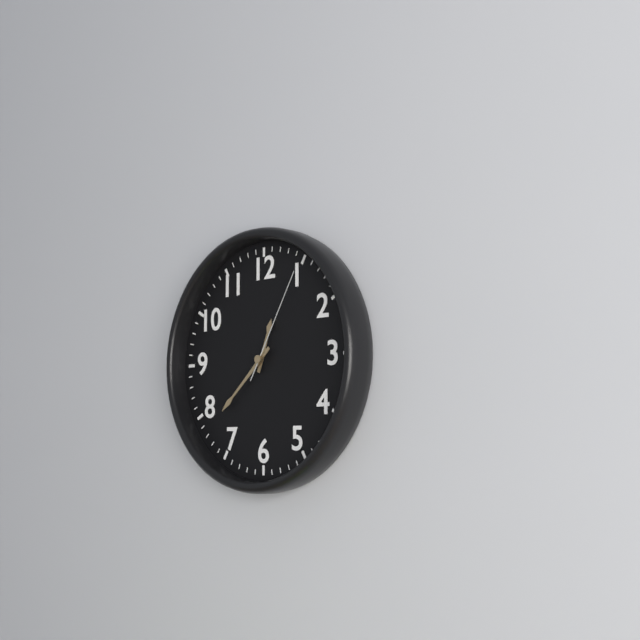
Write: 12 h 38 min 05 s
